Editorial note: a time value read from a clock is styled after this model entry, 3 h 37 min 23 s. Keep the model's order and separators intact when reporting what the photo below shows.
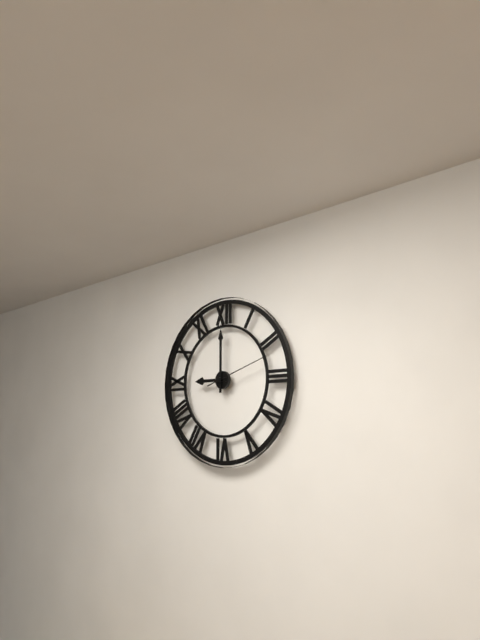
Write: 9 h 00 min 12 s
